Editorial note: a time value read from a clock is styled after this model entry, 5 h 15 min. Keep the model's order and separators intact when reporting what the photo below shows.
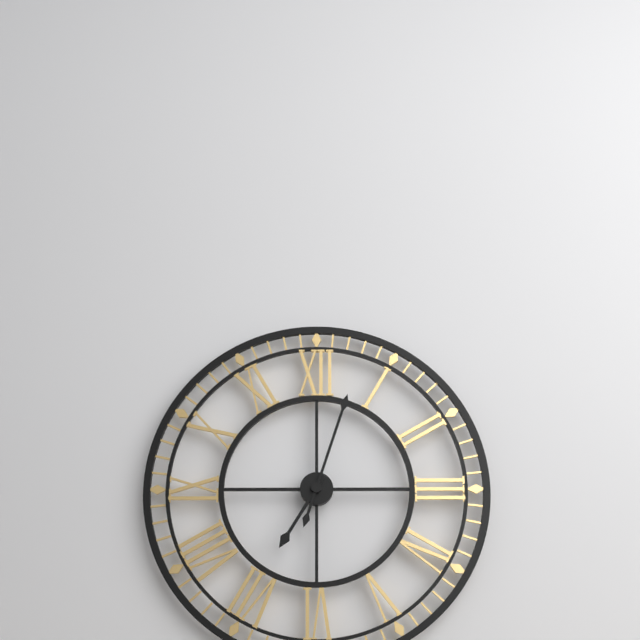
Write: 7 h 03 min
